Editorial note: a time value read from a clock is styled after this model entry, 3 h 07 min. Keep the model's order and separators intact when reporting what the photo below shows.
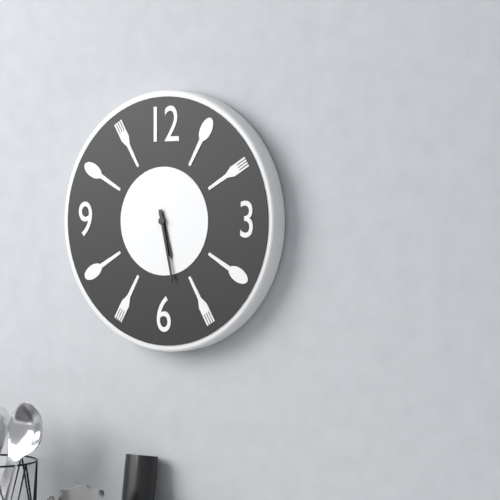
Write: 5 h 28 min
